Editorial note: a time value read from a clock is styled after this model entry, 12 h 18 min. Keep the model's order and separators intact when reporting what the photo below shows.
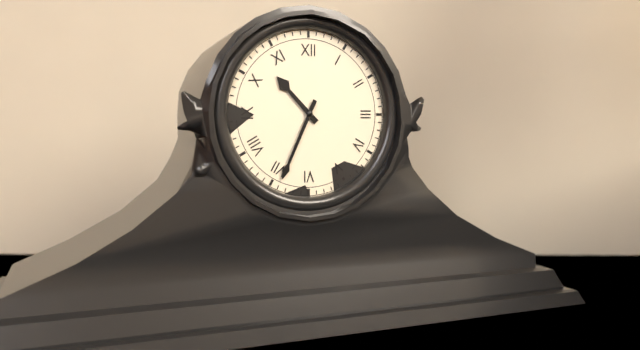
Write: 10 h 34 min
